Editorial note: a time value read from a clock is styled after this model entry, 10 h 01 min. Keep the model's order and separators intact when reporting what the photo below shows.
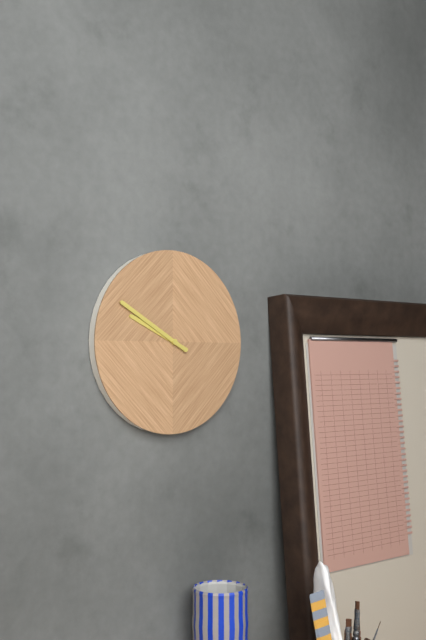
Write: 9 h 50 min
